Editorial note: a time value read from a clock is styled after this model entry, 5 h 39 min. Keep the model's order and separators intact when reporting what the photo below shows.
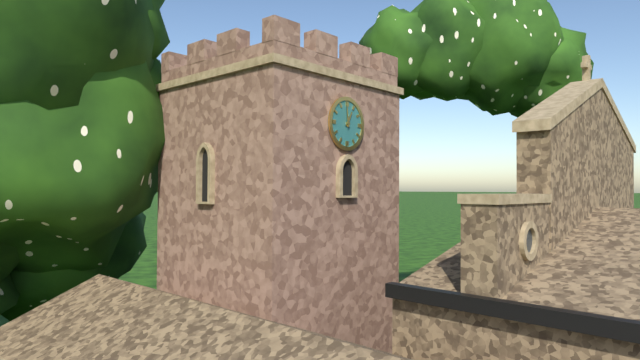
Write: 12 h 59 min
